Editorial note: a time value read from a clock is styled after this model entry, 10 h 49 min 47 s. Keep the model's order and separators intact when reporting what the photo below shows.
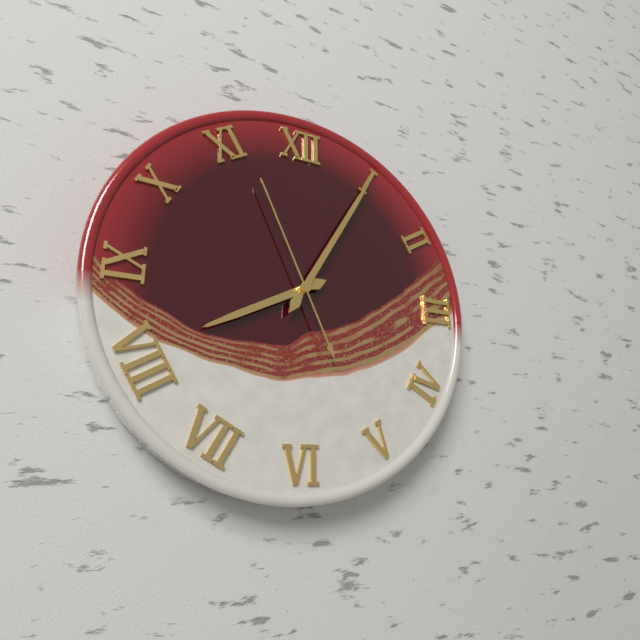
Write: 8 h 05 min 56 s
